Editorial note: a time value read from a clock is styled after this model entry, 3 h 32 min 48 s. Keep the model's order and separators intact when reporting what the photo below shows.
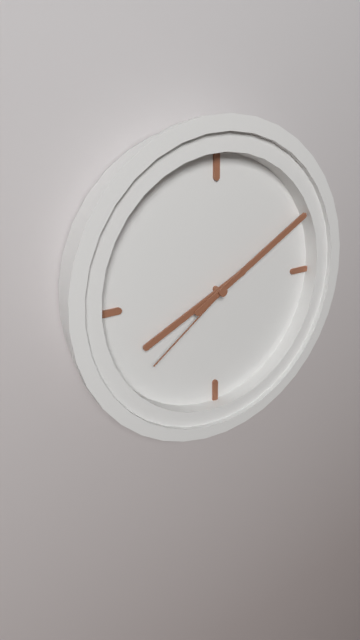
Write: 8 h 10 min 39 s
